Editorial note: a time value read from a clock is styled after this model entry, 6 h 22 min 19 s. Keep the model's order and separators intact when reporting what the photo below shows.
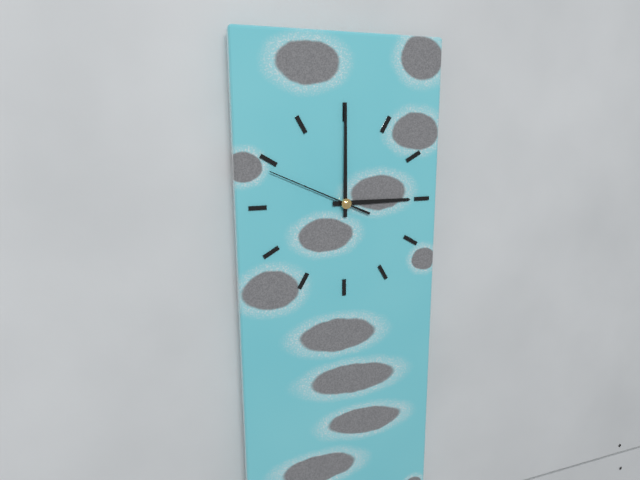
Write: 3 h 00 min 49 s
